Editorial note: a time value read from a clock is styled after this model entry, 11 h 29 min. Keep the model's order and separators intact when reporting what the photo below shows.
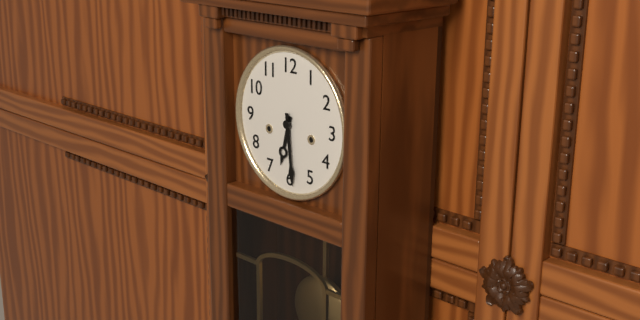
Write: 6 h 29 min
